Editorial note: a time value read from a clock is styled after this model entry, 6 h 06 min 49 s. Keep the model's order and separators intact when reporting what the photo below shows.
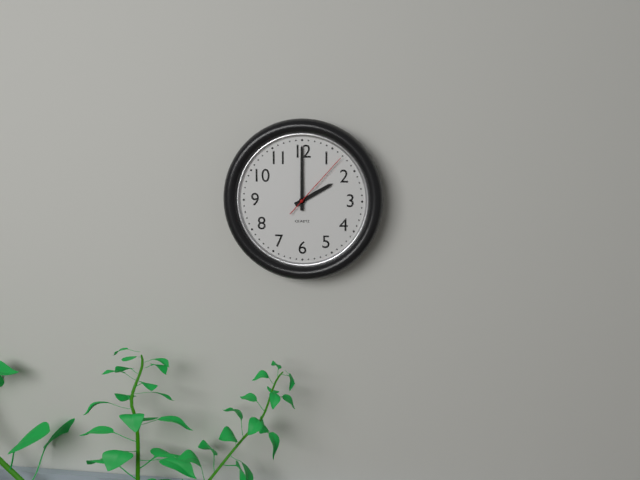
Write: 2 h 00 min 07 s
